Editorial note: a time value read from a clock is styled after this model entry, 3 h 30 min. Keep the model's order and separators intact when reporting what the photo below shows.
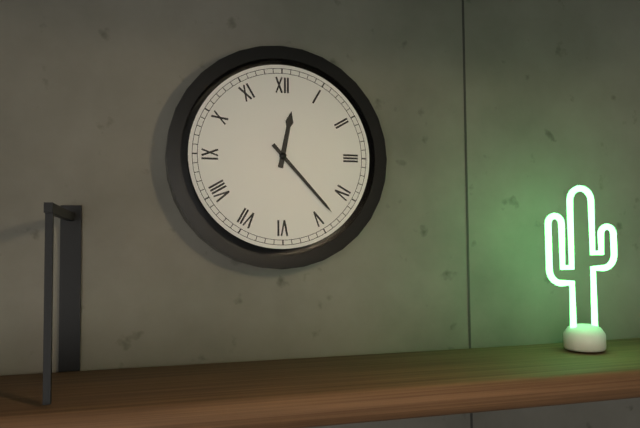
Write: 12 h 23 min
